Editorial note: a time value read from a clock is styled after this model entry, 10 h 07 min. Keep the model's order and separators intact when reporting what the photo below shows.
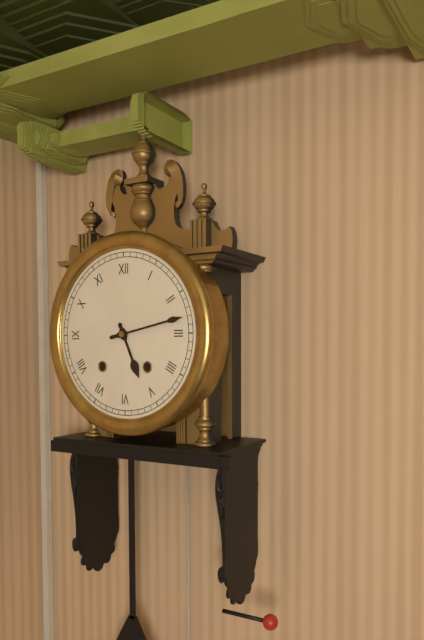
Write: 5 h 13 min
